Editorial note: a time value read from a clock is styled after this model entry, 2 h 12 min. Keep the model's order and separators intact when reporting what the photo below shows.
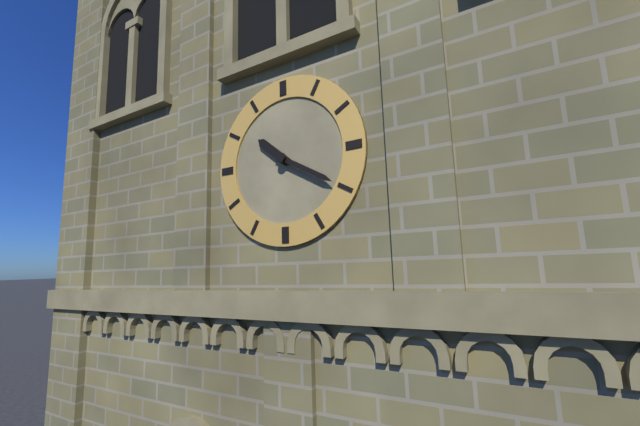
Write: 10 h 20 min
